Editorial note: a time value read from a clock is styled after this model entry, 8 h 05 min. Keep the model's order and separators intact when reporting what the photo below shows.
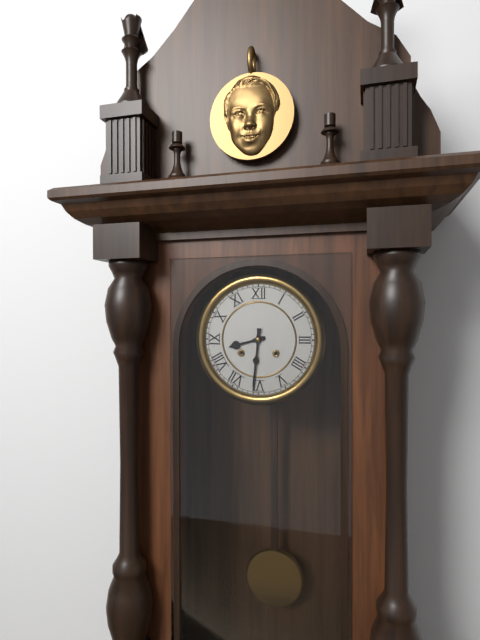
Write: 8 h 31 min
